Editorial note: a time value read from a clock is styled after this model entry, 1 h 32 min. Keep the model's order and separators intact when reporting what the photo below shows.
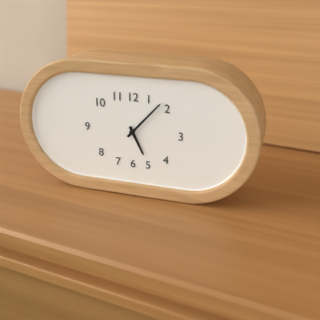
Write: 5 h 07 min
